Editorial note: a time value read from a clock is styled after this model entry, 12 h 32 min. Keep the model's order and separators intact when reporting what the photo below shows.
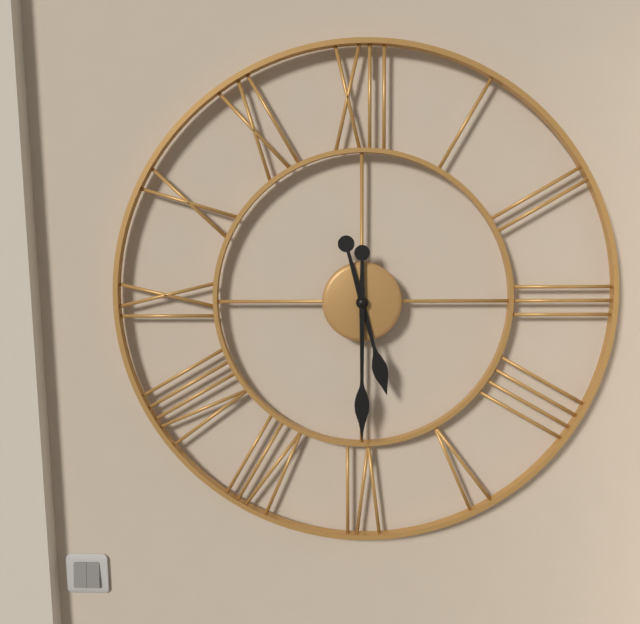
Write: 5 h 30 min
